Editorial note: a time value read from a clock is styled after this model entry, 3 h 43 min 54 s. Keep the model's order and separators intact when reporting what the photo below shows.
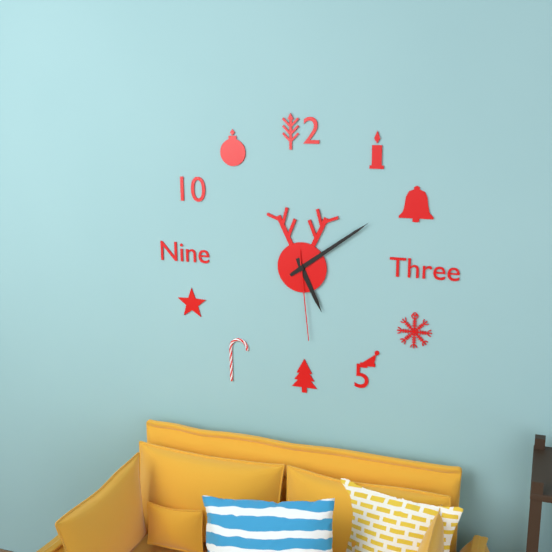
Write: 5 h 09 min 29 s
